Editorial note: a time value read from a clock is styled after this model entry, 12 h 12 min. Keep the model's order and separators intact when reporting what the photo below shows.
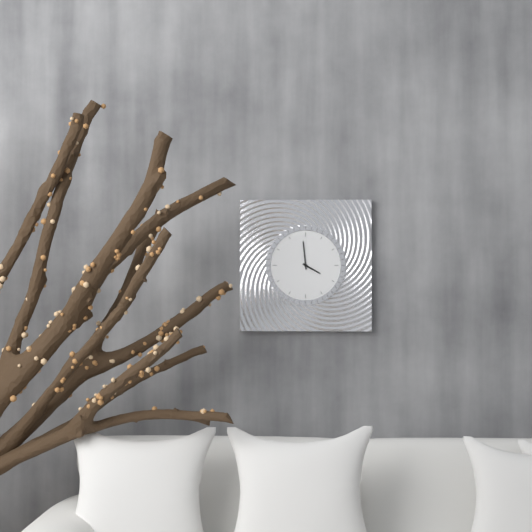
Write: 3 h 59 min
